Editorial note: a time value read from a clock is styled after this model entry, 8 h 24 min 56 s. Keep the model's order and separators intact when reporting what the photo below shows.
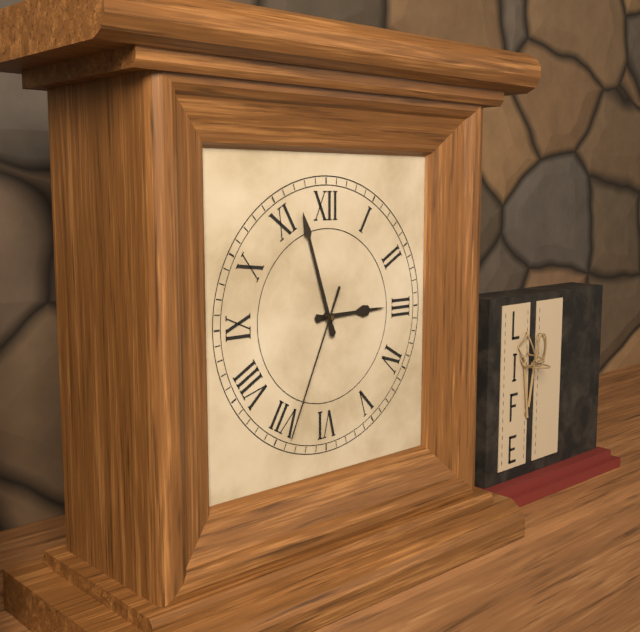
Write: 2 h 57 min 34 s
